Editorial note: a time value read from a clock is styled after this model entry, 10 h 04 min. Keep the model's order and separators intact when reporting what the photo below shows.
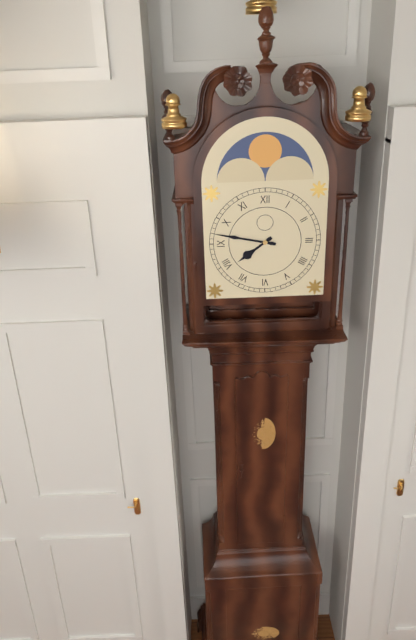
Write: 7 h 47 min
